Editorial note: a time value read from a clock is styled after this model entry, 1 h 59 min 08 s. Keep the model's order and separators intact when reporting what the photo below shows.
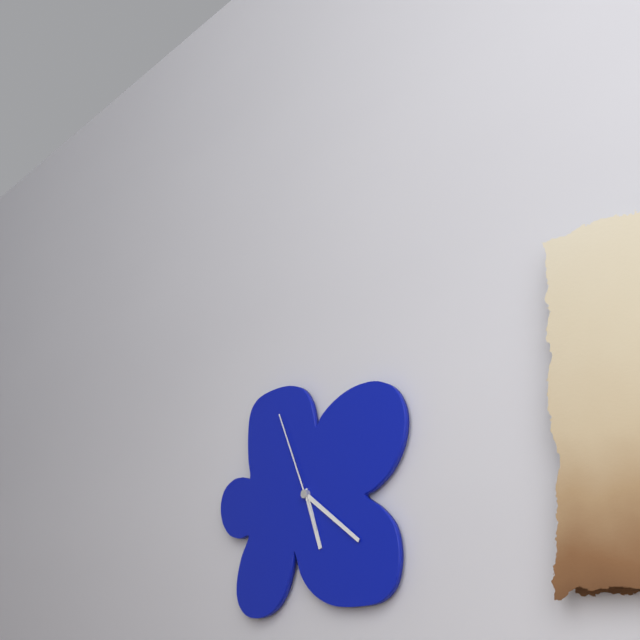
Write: 5 h 21 min 56 s
